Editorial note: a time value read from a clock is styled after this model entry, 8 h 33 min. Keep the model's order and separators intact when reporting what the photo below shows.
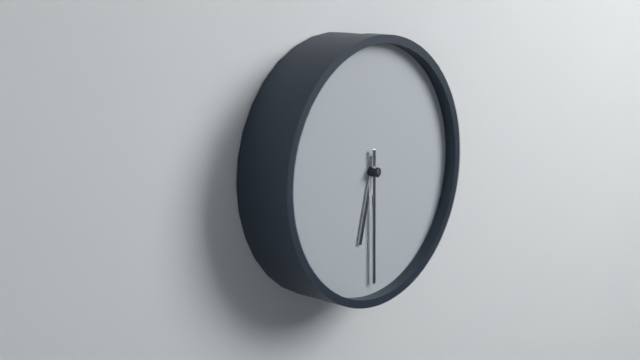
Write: 6 h 30 min
